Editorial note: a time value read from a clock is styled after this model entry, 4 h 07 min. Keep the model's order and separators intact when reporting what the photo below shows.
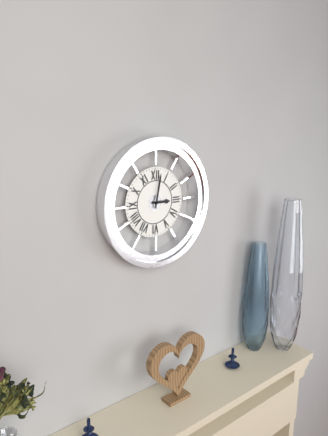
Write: 3 h 02 min
